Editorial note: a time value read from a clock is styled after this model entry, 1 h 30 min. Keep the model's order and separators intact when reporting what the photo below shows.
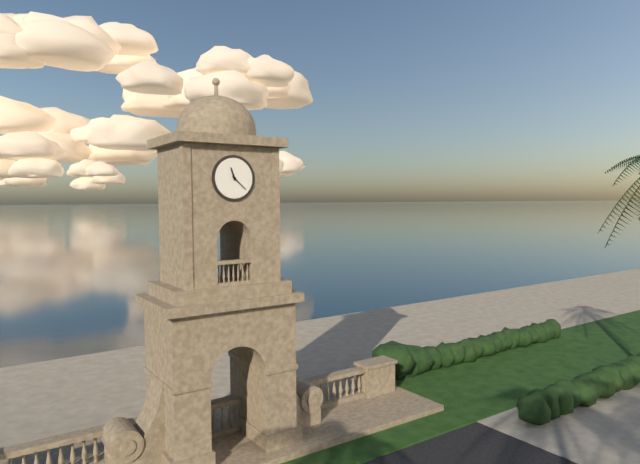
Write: 11 h 22 min
